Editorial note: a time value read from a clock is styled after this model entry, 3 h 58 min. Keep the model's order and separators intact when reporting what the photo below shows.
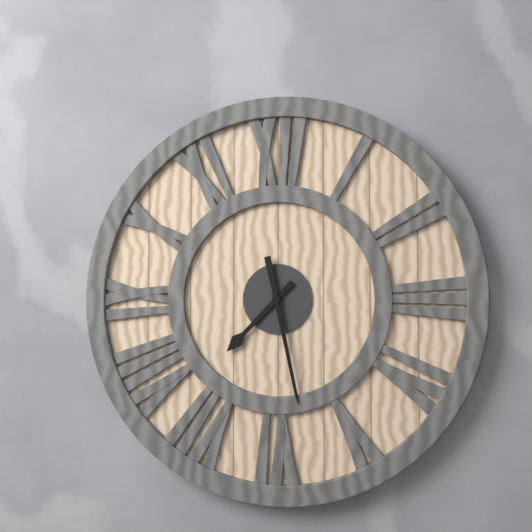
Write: 7 h 28 min
